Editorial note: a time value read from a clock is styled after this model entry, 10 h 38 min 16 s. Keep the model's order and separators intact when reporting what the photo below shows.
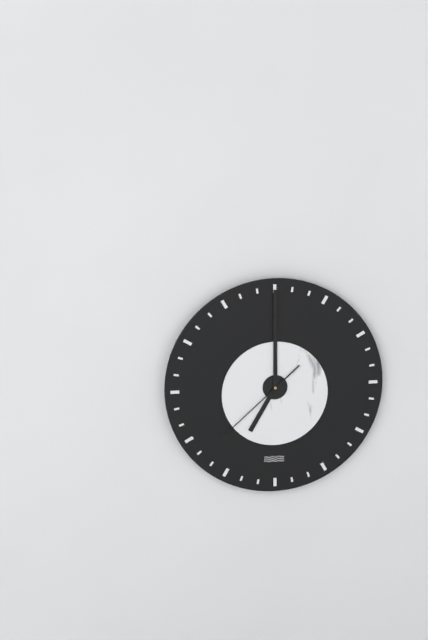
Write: 7 h 00 min 38 s
